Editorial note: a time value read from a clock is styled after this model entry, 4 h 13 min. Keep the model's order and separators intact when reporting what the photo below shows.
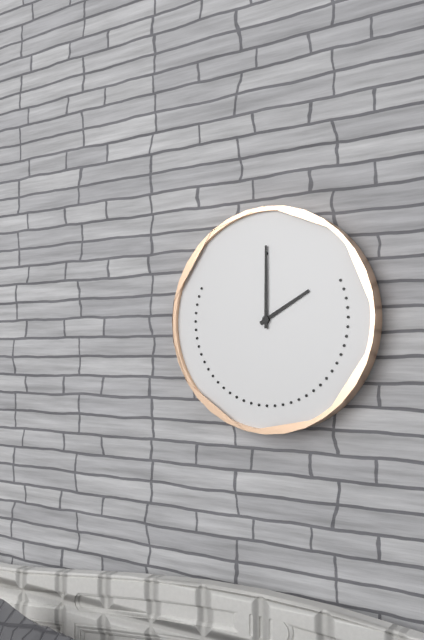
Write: 2 h 00 min
